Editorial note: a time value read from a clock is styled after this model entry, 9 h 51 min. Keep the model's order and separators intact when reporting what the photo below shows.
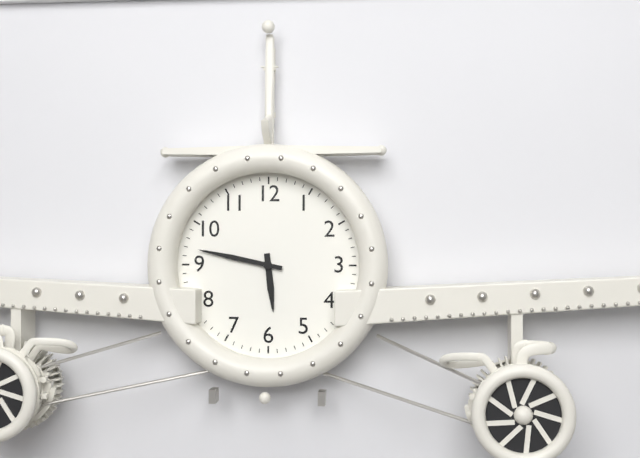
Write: 5 h 47 min
